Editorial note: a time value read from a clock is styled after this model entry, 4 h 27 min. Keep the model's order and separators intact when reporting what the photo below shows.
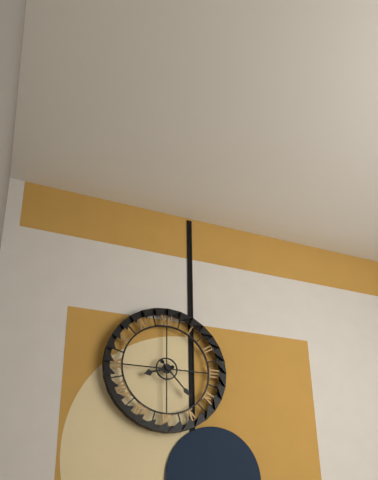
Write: 8 h 23 min
